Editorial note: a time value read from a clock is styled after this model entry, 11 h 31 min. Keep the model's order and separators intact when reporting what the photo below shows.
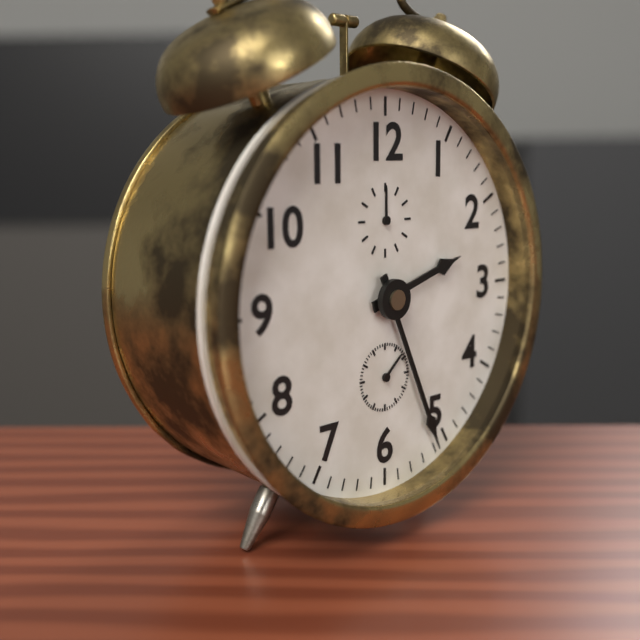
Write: 2 h 26 min
